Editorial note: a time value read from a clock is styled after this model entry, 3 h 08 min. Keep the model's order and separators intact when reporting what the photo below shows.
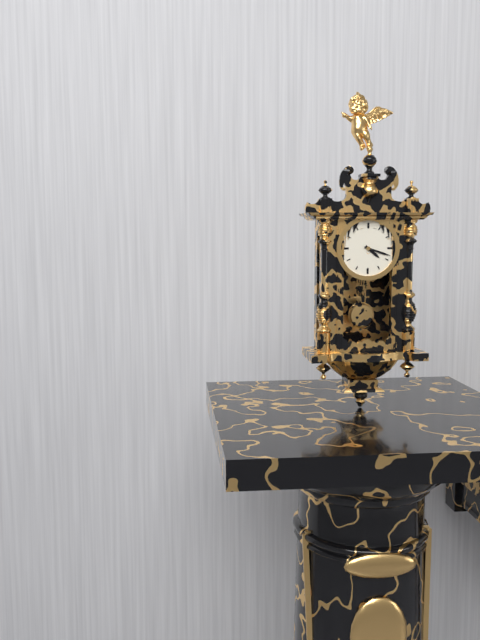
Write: 4 h 18 min
